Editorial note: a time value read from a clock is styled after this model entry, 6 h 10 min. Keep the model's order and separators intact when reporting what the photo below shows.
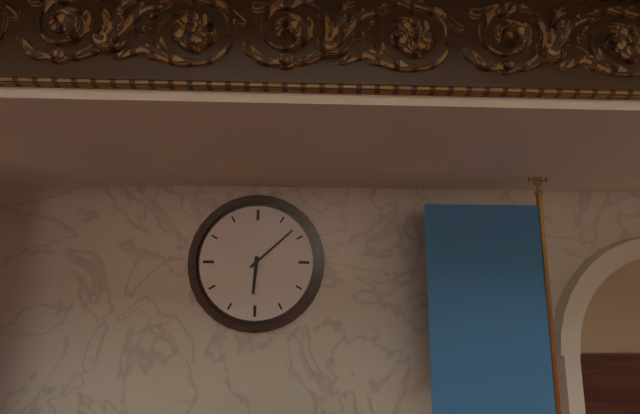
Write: 6 h 08 min
